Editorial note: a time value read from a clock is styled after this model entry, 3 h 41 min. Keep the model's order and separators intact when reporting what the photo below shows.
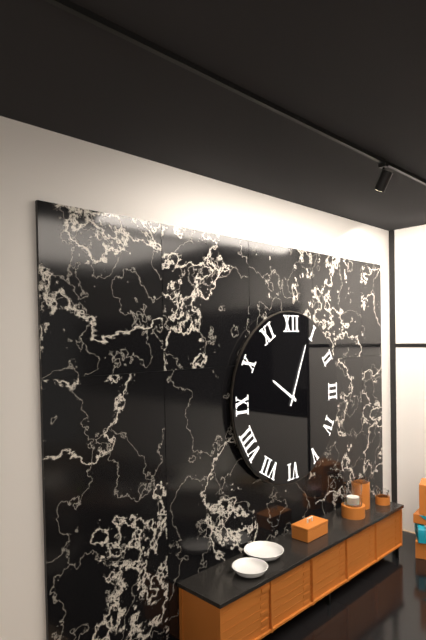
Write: 10 h 04 min
